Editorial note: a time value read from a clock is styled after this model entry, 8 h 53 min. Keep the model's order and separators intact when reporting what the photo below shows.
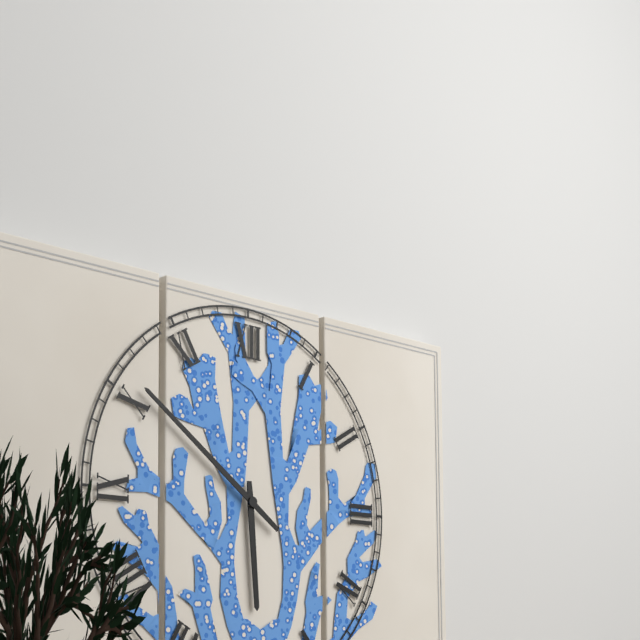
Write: 5 h 51 min
